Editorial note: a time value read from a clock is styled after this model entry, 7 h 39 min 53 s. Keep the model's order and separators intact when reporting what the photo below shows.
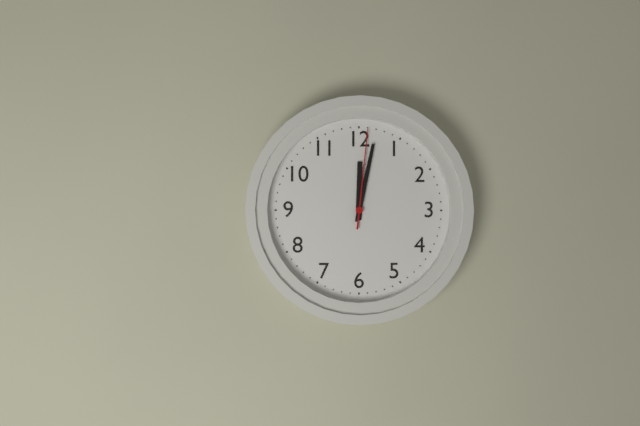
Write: 12 h 02 min 01 s
